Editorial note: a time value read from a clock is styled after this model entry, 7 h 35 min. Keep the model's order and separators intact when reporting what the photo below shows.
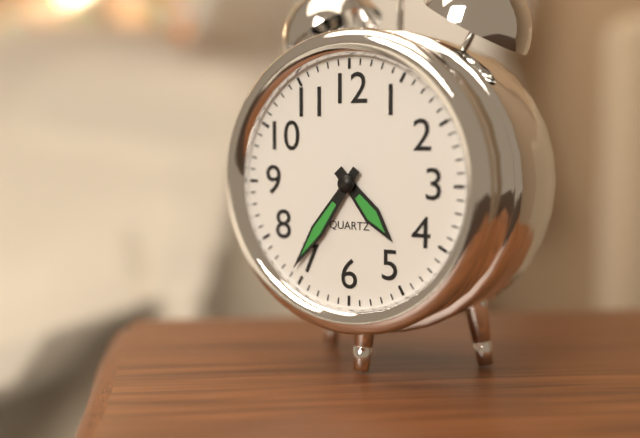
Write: 4 h 36 min
